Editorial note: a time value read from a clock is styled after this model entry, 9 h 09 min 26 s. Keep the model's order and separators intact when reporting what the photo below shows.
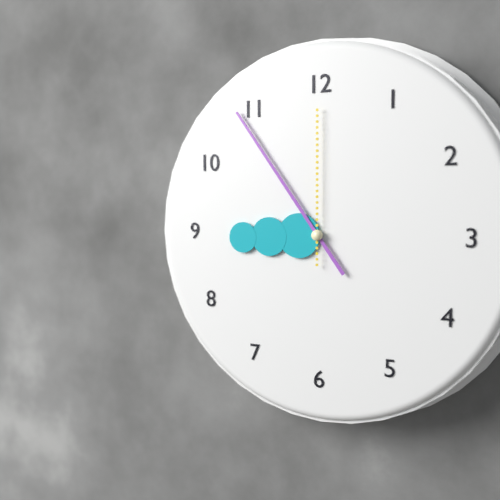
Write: 8 h 54 min 00 s
